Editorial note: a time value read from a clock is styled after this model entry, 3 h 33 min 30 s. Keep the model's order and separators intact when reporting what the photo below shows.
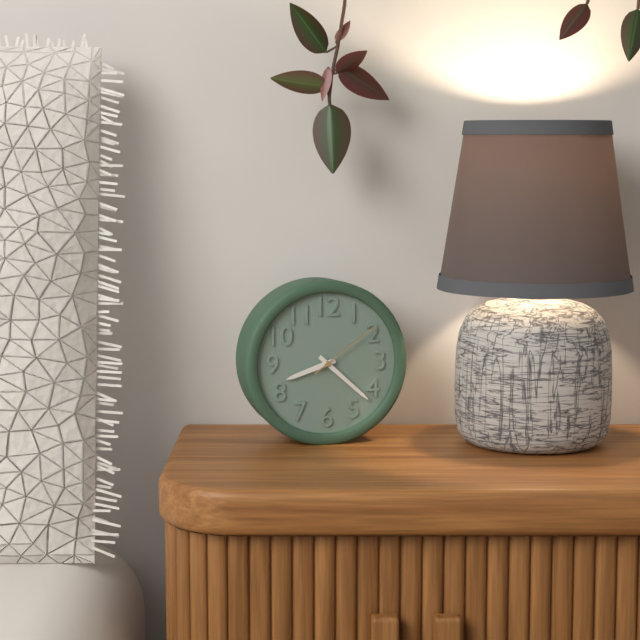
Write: 8 h 22 min 09 s
